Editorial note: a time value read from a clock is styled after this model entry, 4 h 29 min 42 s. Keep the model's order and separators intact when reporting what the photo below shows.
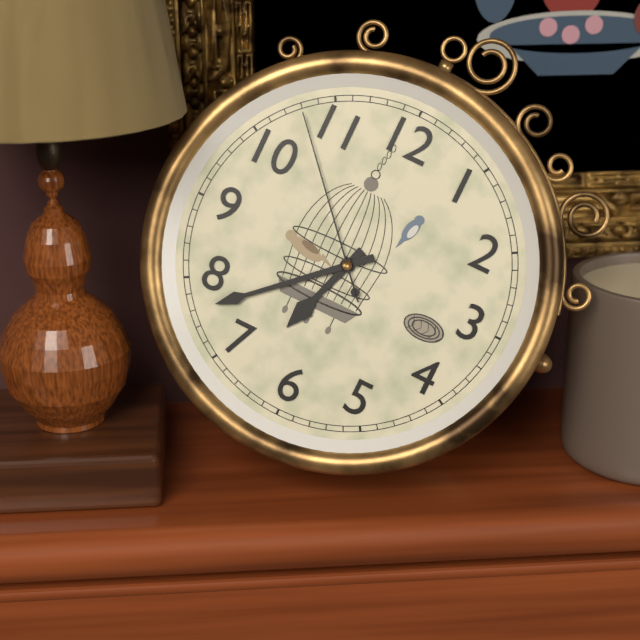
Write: 6 h 38 min 53 s
